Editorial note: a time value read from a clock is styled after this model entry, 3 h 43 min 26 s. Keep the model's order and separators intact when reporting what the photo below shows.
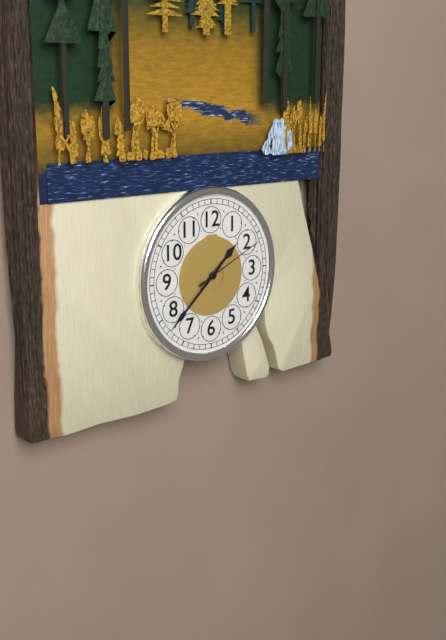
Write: 1 h 38 min 11 s
